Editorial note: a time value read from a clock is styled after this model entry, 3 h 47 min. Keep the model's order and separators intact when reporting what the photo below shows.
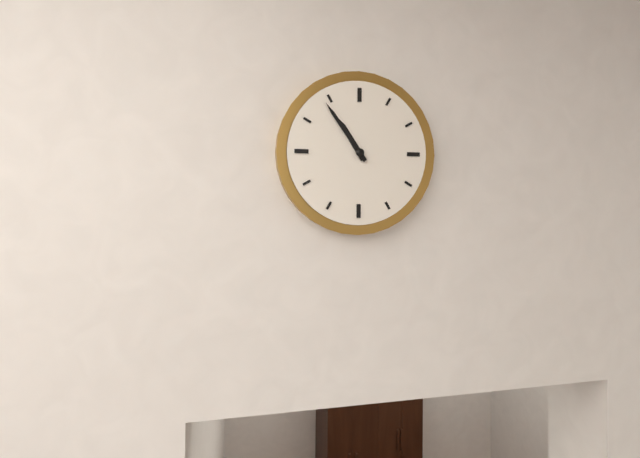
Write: 10 h 54 min
